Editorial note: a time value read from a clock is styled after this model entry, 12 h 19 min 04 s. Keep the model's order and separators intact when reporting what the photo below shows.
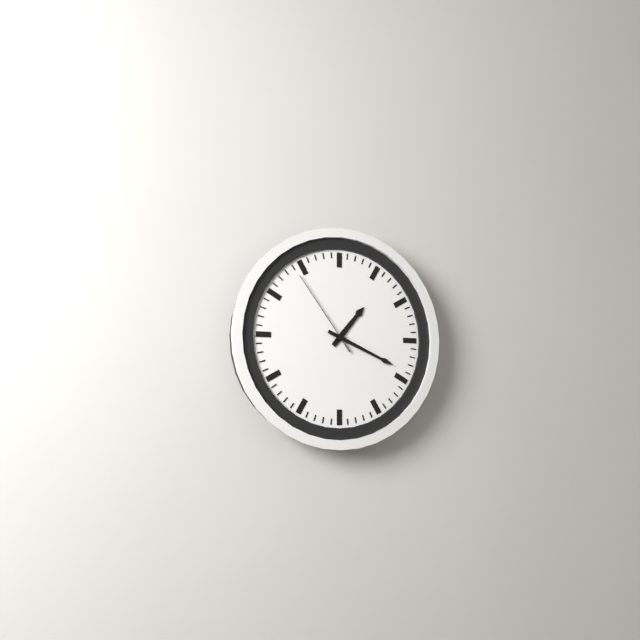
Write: 1 h 19 min 54 s
